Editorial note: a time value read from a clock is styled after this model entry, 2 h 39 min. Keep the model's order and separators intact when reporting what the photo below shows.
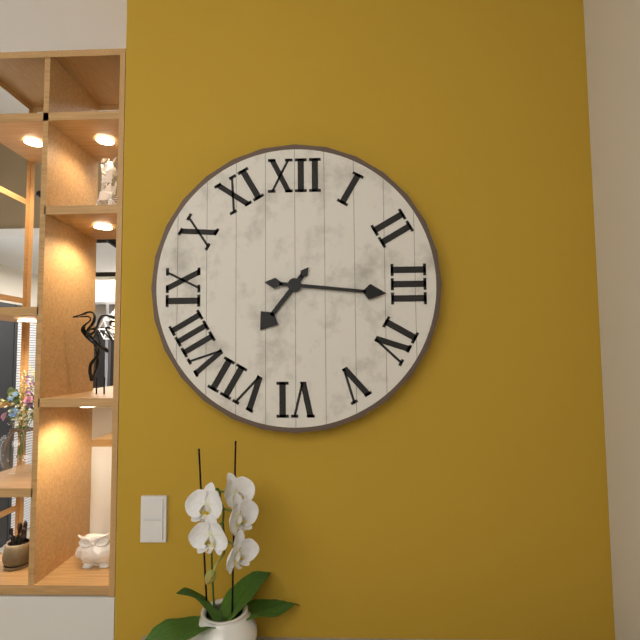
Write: 7 h 16 min
